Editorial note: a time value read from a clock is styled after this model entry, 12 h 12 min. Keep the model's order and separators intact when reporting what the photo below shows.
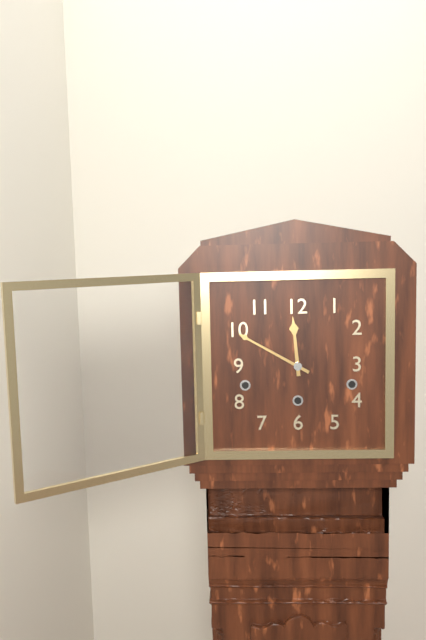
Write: 11 h 50 min
